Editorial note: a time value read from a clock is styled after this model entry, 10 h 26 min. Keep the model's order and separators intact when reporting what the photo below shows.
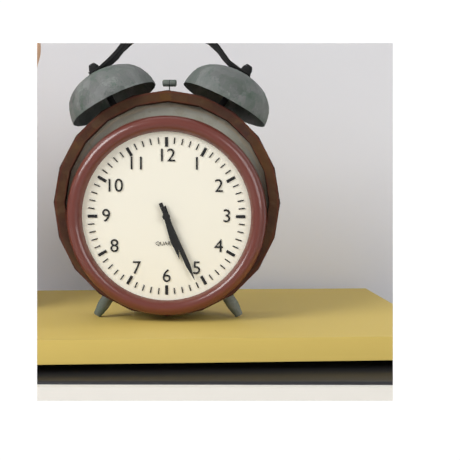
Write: 5 h 26 min
